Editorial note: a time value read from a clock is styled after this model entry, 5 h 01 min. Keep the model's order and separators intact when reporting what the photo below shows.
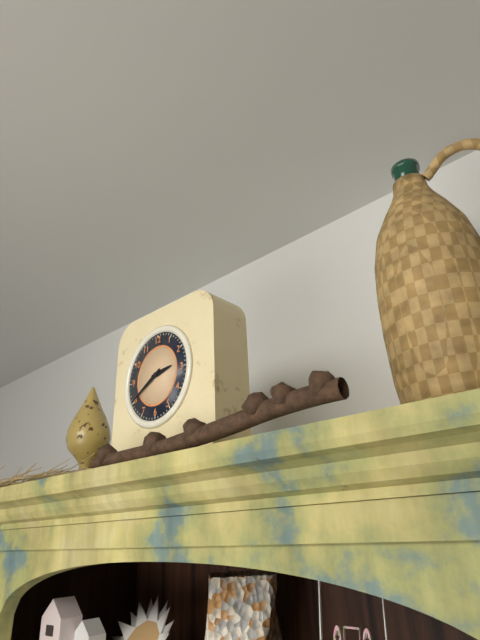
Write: 2 h 40 min
